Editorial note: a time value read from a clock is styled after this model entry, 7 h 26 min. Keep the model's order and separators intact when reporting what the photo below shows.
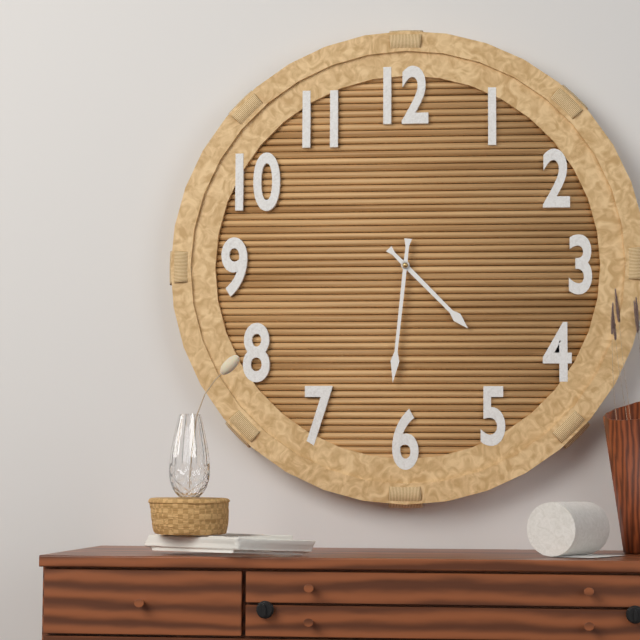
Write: 4 h 31 min
